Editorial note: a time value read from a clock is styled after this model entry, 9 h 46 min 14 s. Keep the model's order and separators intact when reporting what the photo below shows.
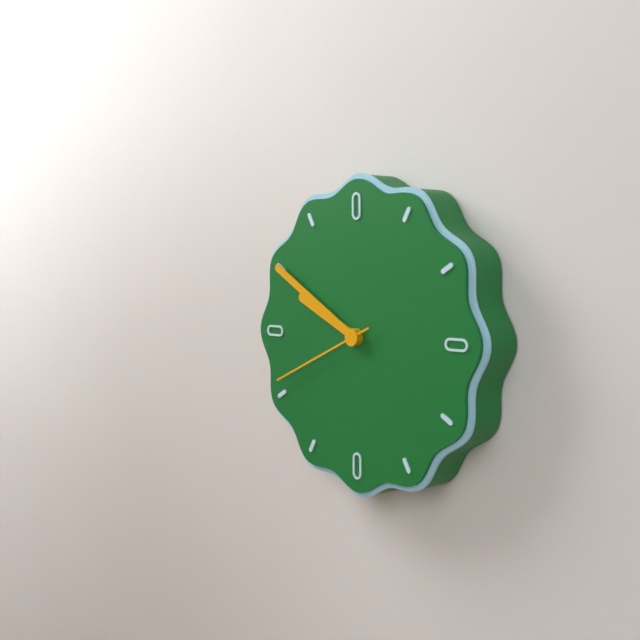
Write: 9 h 50 min 41 s
